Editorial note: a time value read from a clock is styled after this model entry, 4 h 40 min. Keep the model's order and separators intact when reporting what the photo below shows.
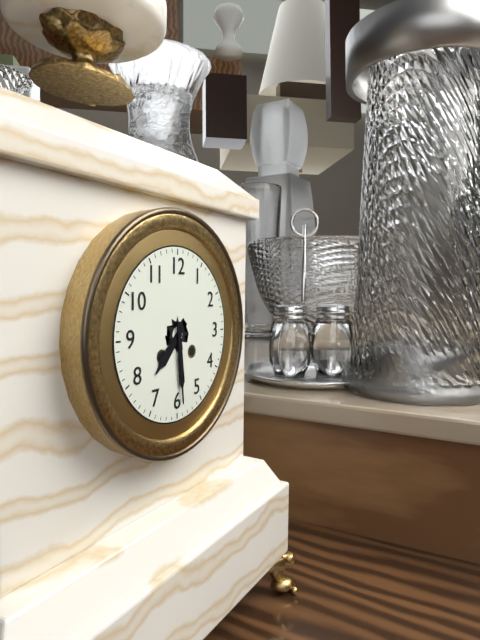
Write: 7 h 29 min
